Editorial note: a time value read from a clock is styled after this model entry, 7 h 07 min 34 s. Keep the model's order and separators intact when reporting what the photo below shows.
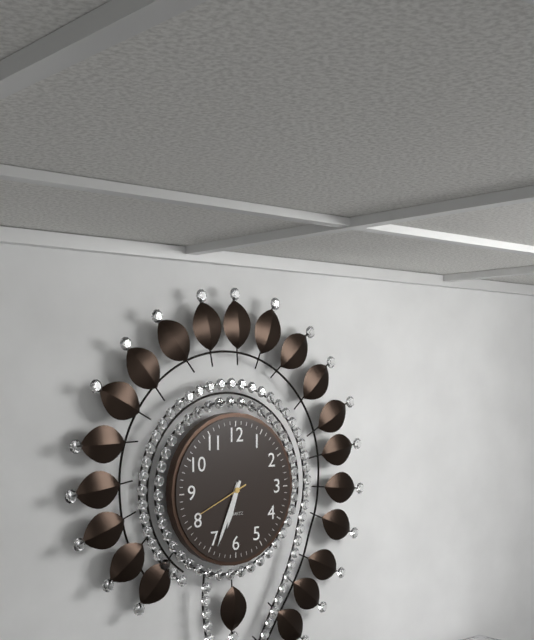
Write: 6 h 34 min 41 s
